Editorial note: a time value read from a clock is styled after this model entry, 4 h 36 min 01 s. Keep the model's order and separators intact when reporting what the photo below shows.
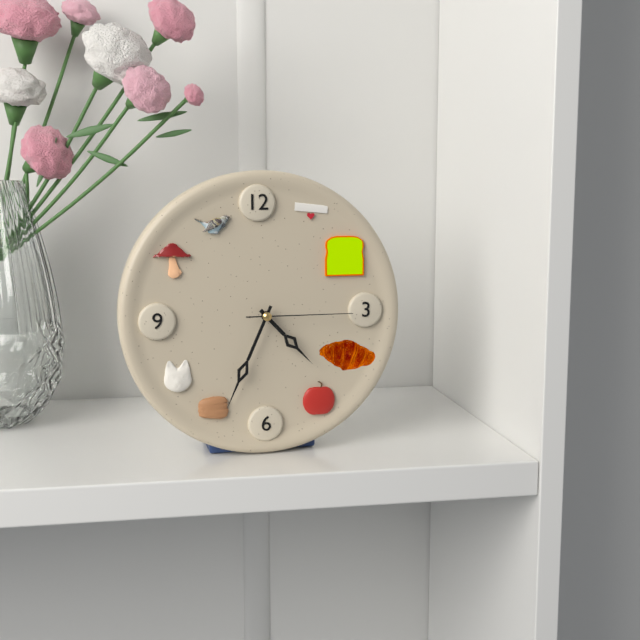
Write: 4 h 34 min 15 s
